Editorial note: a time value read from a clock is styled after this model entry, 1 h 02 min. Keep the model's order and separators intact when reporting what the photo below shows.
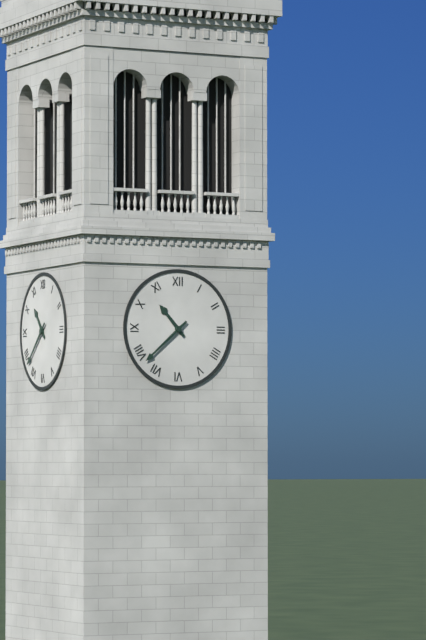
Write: 10 h 38 min
